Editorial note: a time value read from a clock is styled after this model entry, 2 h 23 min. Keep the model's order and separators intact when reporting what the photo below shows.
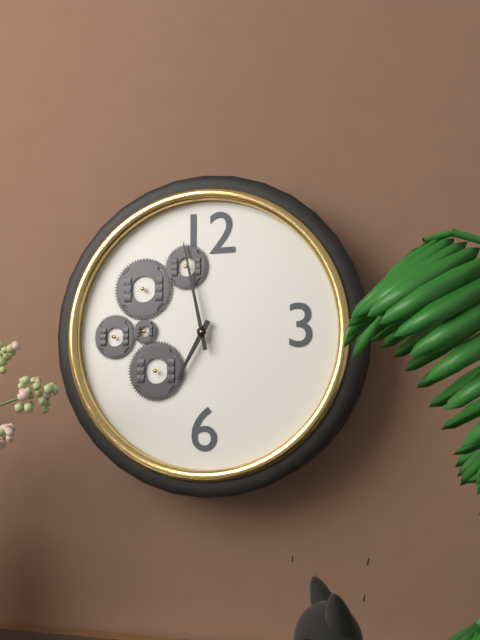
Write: 6 h 58 min
